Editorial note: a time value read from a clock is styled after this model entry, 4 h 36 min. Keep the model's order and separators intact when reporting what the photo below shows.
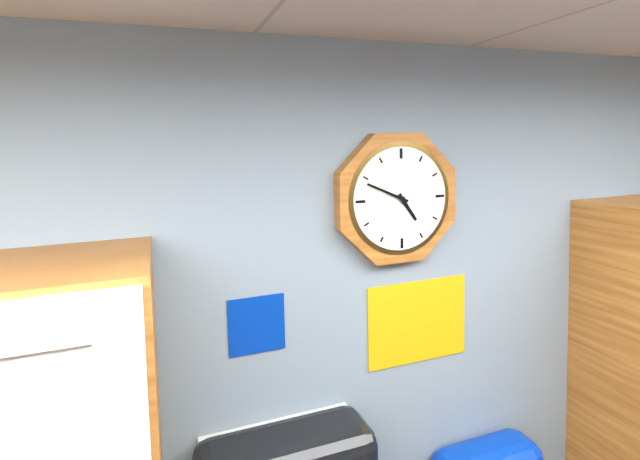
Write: 4 h 49 min
